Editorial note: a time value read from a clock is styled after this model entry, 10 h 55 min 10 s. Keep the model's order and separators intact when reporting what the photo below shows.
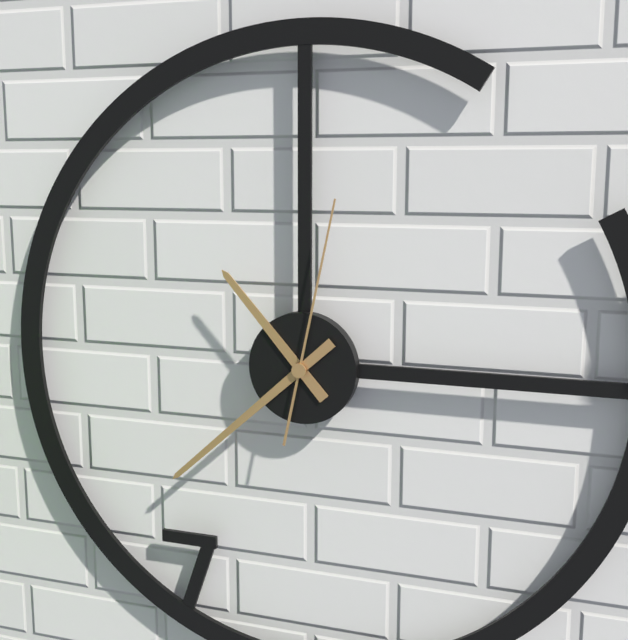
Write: 10 h 38 min 02 s
